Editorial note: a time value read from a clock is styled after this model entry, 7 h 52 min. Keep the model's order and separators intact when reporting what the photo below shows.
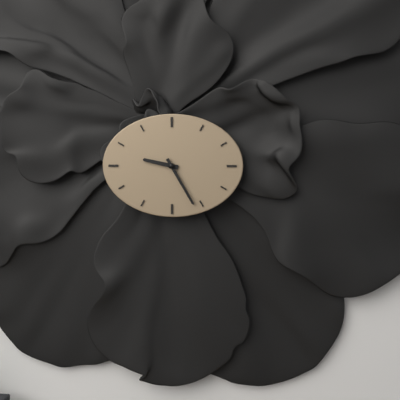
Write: 9 h 25 min
